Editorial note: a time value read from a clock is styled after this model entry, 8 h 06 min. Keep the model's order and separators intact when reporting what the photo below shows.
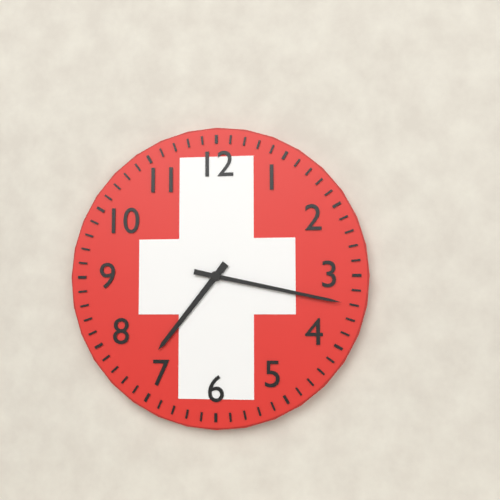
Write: 7 h 17 min
